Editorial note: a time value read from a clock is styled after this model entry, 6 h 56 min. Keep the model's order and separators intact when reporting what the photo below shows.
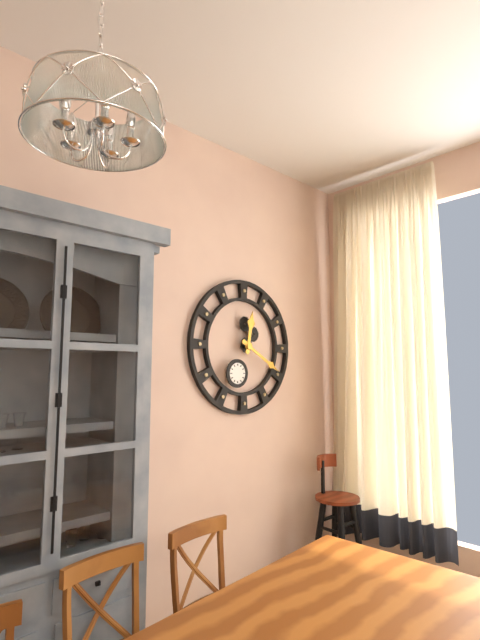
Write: 12 h 20 min
